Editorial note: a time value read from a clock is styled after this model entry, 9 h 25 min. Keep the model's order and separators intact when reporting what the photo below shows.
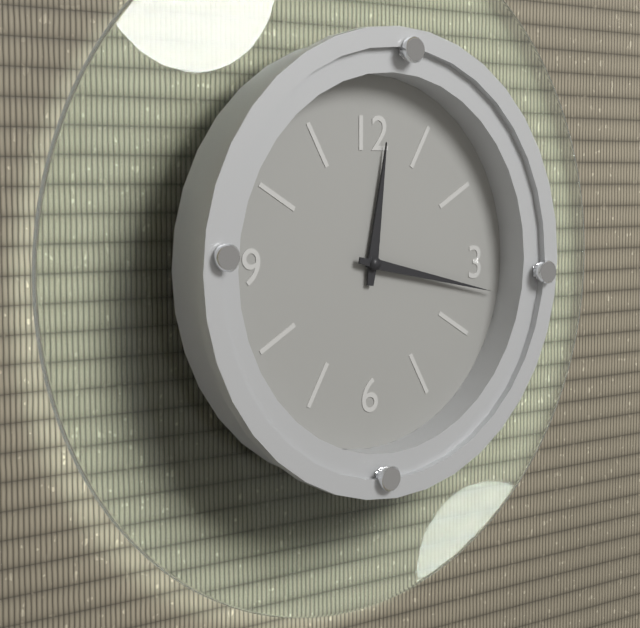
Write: 12 h 17 min
